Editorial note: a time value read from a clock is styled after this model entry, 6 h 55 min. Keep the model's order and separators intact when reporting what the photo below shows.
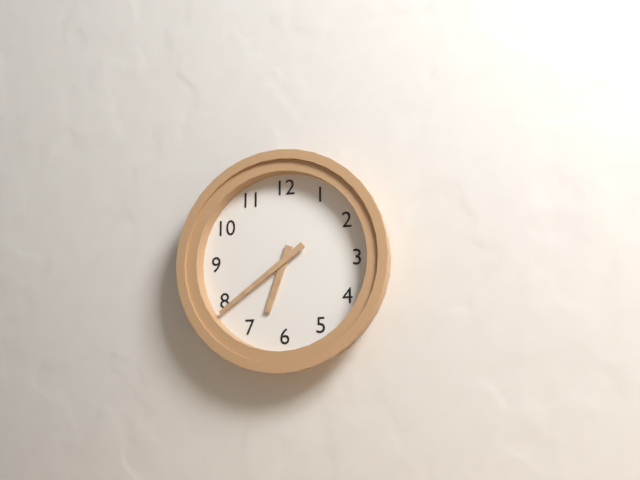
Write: 6 h 39 min
